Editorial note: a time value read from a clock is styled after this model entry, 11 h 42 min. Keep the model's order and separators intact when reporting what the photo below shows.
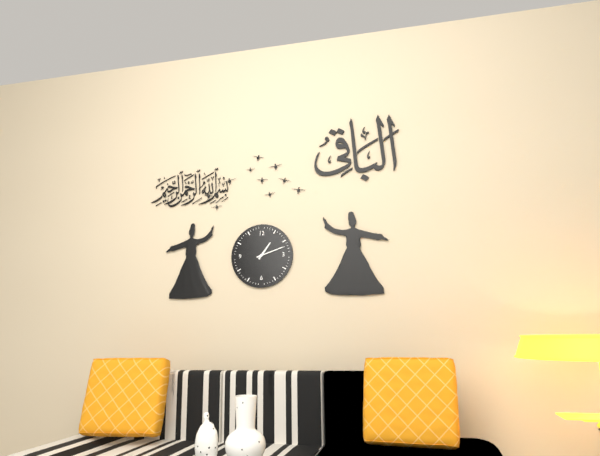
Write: 1 h 12 min
